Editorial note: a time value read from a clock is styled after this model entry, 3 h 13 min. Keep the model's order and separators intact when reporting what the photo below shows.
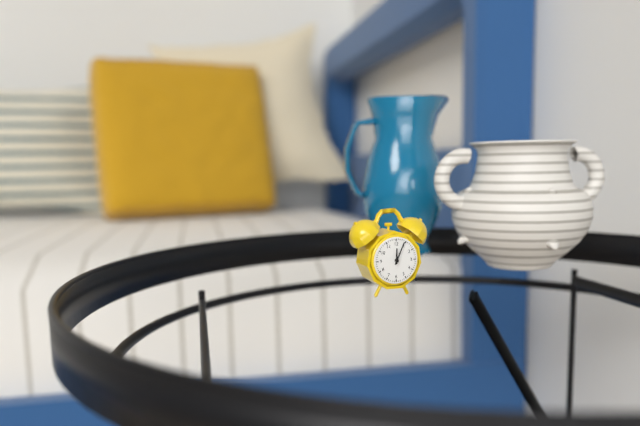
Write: 12 h 04 min
